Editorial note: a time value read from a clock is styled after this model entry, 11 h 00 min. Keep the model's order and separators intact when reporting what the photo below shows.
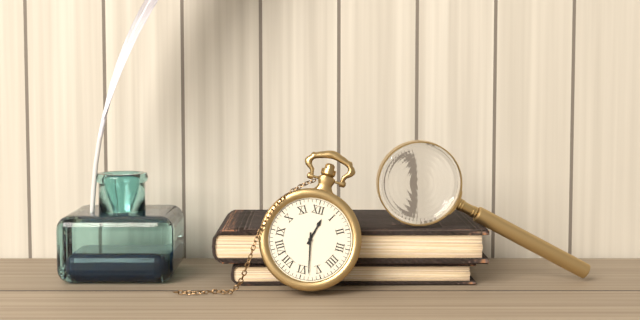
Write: 12 h 28 min
